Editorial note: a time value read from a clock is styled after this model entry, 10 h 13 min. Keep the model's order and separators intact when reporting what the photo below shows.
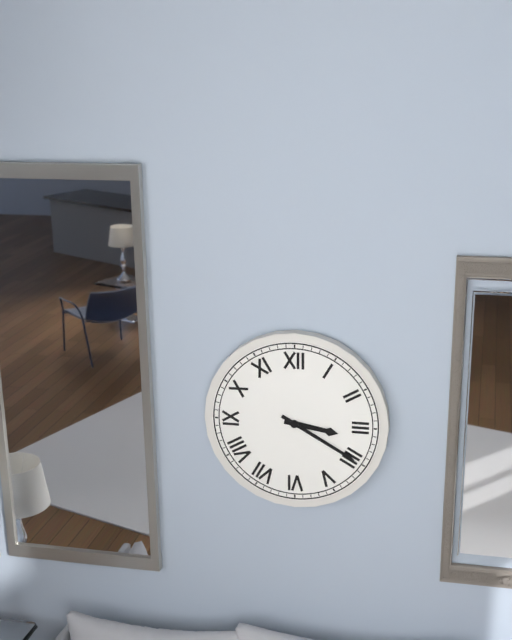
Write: 3 h 20 min
